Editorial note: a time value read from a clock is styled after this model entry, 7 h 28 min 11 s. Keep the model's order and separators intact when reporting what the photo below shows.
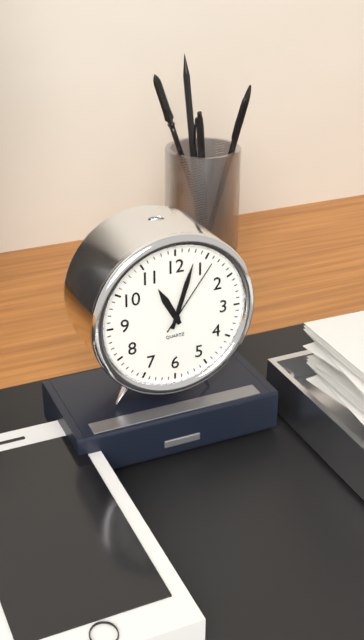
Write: 11 h 03 min 06 s
